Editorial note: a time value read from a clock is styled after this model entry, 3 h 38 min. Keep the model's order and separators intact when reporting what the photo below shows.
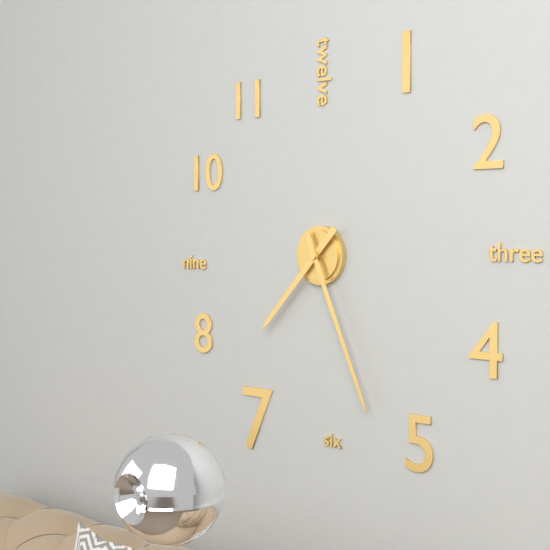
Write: 7 h 26 min
